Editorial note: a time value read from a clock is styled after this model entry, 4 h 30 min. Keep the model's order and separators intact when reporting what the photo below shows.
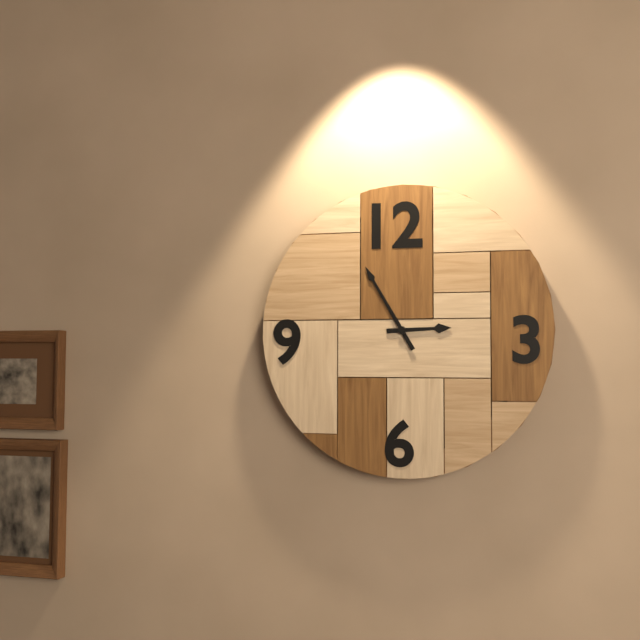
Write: 2 h 55 min
